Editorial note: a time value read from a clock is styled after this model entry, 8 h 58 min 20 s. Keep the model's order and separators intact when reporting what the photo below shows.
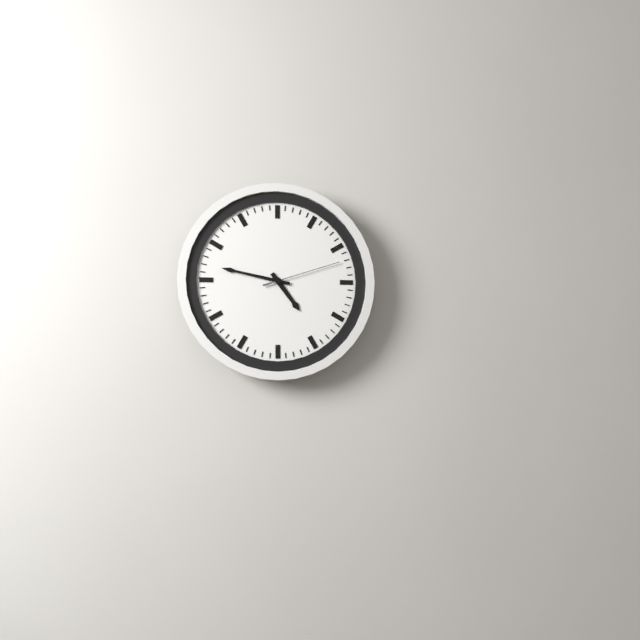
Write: 4 h 47 min 12 s
